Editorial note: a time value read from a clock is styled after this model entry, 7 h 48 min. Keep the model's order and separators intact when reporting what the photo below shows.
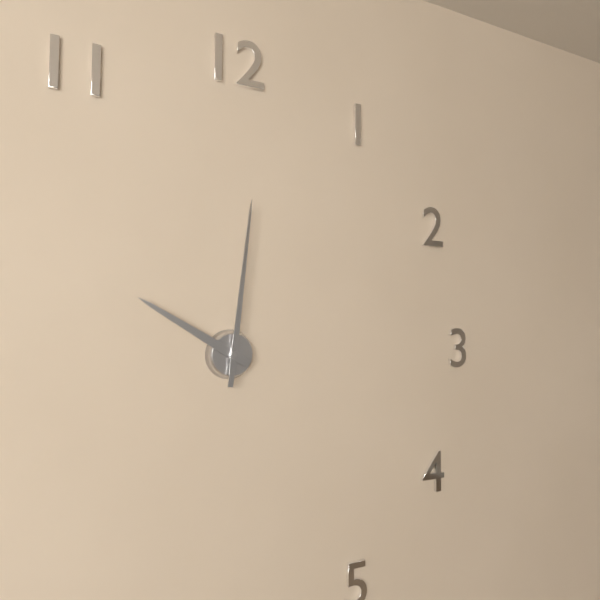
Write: 10 h 01 min
